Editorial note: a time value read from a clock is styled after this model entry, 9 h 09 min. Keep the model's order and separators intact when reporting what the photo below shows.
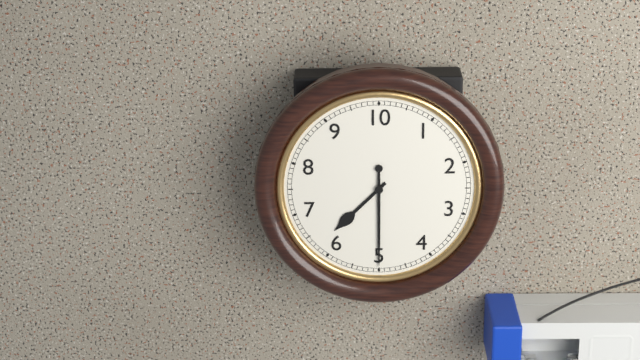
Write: 7 h 30 min
